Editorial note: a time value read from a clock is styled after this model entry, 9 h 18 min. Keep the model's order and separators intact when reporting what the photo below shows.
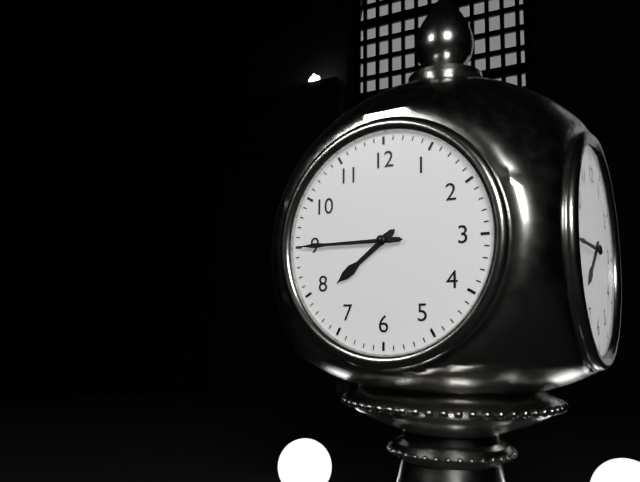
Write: 7 h 45 min
